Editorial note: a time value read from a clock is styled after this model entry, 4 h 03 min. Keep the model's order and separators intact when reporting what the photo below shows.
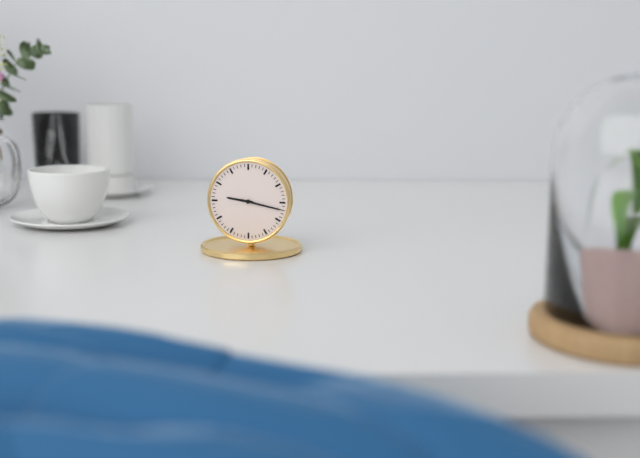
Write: 9 h 17 min
